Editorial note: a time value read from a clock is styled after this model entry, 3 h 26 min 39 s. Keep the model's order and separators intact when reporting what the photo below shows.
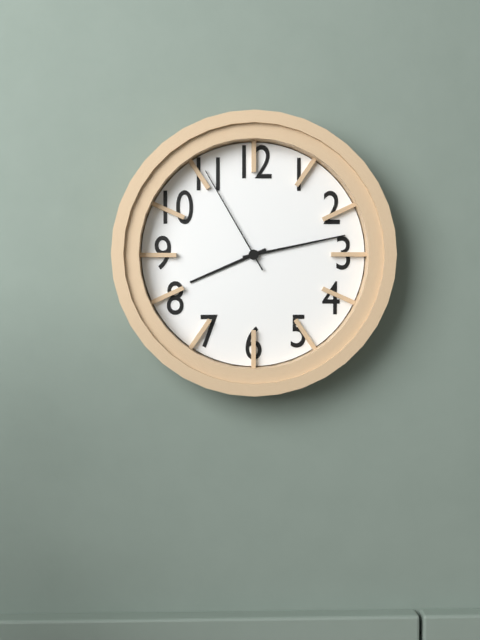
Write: 8 h 13 min 55 s
